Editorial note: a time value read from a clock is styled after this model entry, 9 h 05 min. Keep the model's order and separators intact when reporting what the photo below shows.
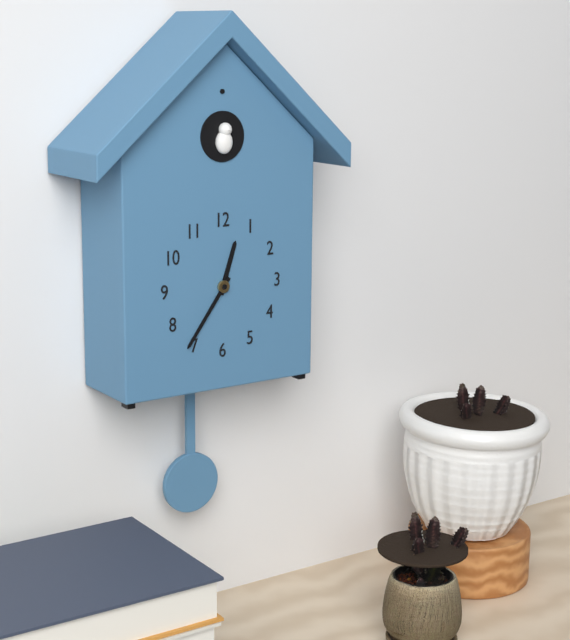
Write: 12 h 36 min
